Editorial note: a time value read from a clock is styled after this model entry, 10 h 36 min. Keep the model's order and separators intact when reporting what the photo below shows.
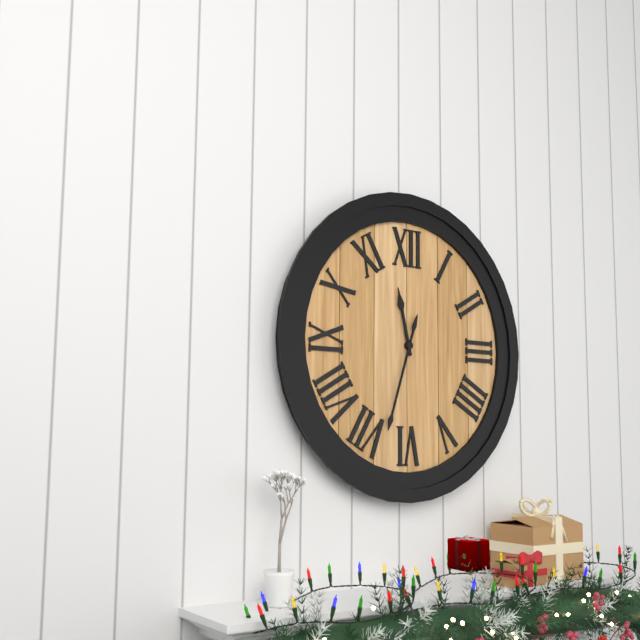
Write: 11 h 33 min
